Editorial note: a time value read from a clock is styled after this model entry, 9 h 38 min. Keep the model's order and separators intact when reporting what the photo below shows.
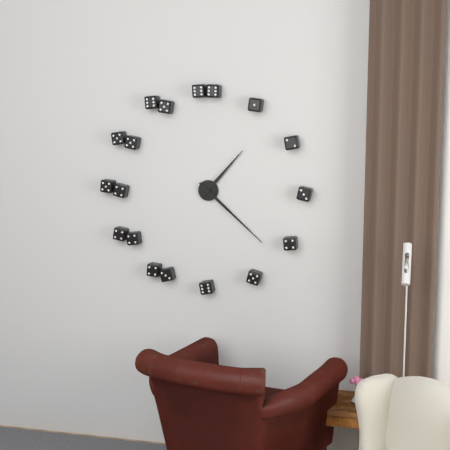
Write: 1 h 22 min
